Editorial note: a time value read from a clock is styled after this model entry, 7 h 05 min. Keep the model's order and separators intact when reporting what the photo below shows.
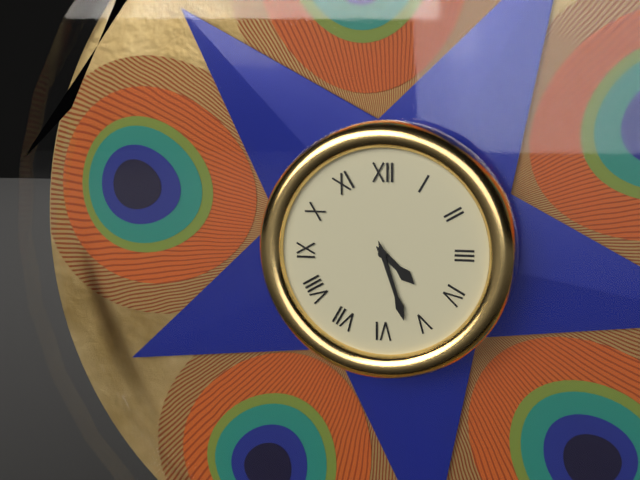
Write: 4 h 27 min
